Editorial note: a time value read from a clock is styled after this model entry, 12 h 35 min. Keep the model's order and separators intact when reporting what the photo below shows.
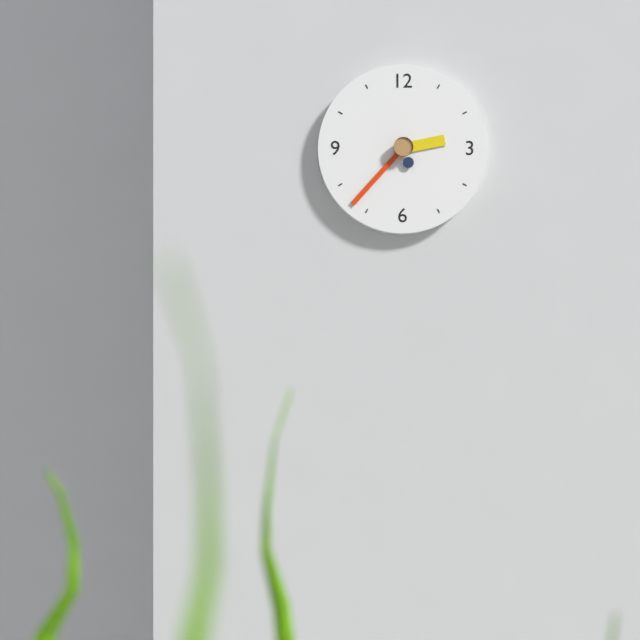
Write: 2 h 37 min
